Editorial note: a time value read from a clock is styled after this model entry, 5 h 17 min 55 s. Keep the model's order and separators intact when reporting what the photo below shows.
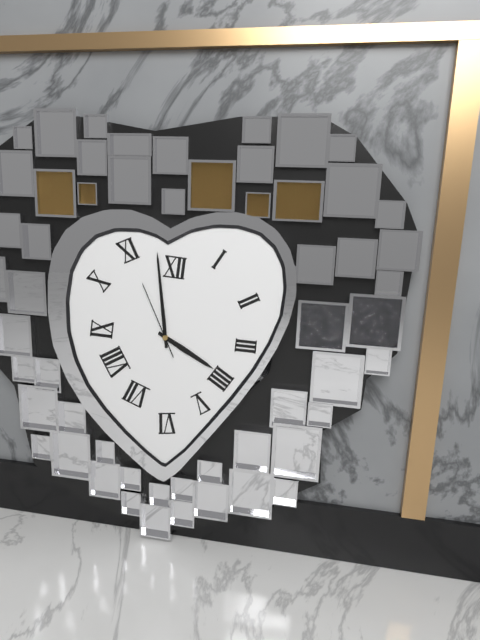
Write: 3 h 59 min 56 s
